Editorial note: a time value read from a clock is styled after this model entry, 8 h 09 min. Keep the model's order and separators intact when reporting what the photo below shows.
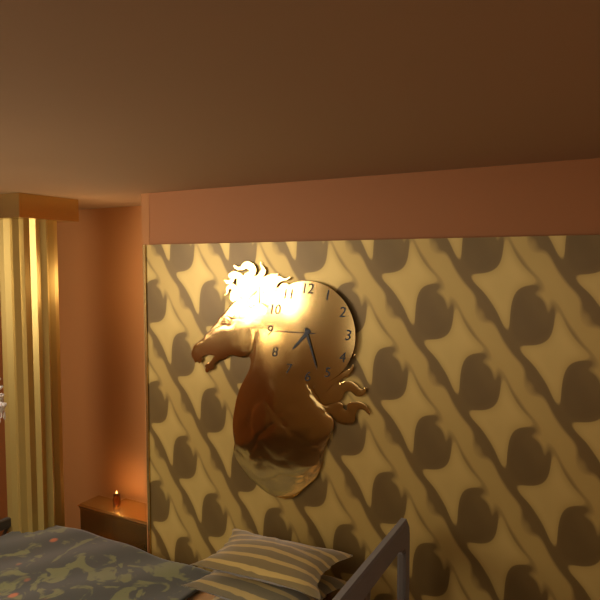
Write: 7 h 27 min
